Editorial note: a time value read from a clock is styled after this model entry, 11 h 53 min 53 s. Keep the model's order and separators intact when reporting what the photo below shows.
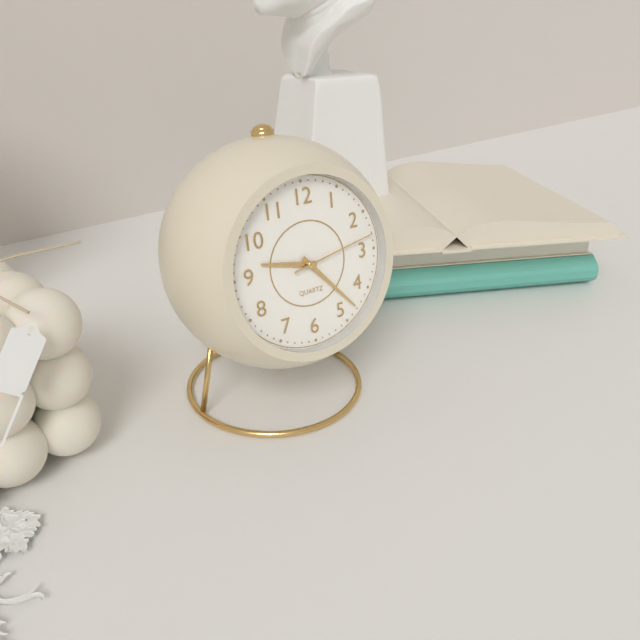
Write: 9 h 23 min 13 s
